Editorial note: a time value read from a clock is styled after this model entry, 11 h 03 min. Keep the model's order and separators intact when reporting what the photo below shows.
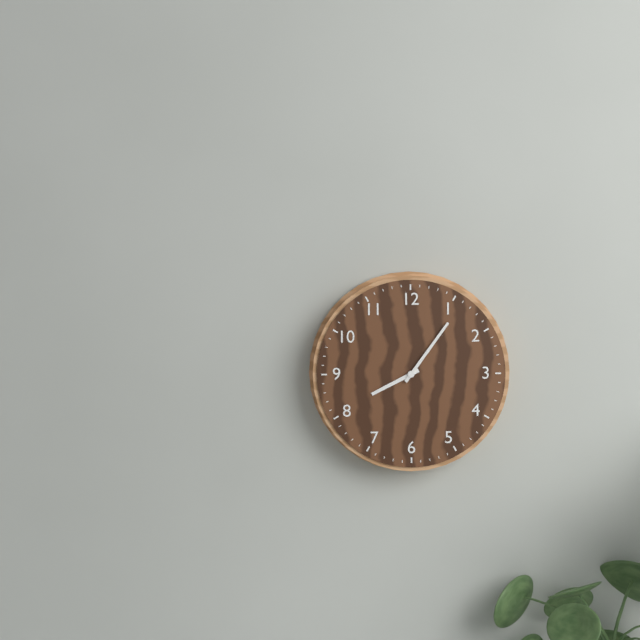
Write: 8 h 06 min
